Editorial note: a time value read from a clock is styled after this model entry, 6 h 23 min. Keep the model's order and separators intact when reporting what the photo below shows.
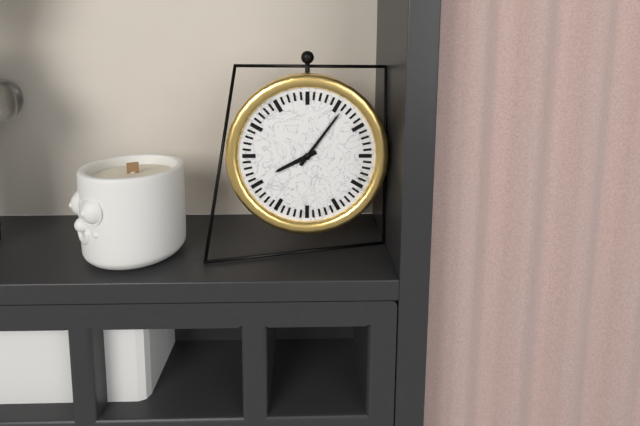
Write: 8 h 06 min
